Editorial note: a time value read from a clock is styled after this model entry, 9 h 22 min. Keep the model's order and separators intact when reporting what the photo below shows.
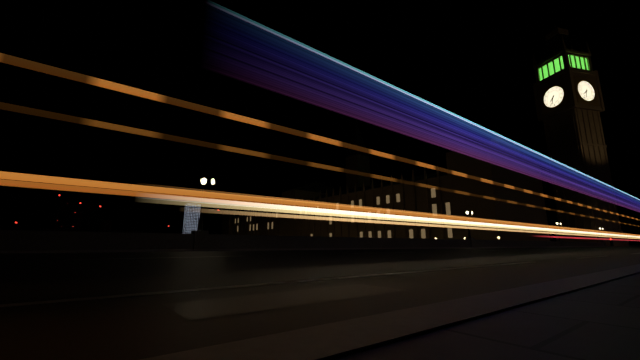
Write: 7 h 33 min
